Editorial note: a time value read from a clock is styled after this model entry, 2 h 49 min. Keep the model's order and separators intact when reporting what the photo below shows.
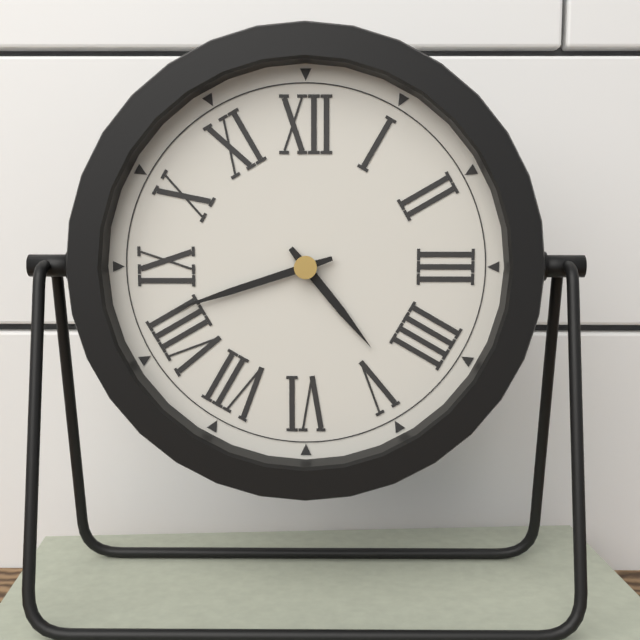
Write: 4 h 42 min
